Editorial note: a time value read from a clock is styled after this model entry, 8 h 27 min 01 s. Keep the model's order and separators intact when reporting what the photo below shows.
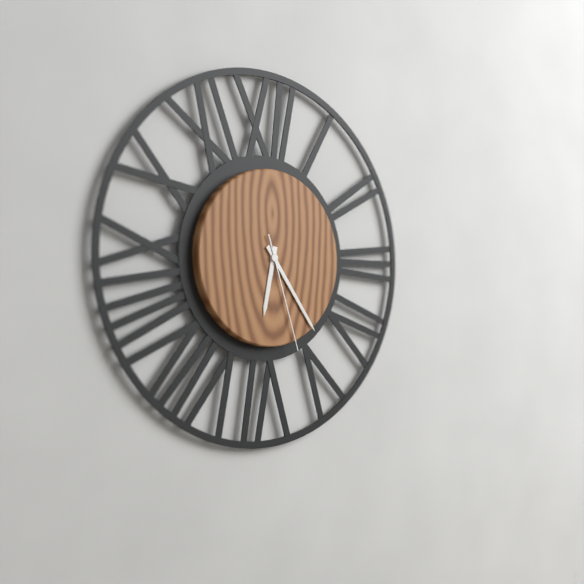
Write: 6 h 24 min 27 s
